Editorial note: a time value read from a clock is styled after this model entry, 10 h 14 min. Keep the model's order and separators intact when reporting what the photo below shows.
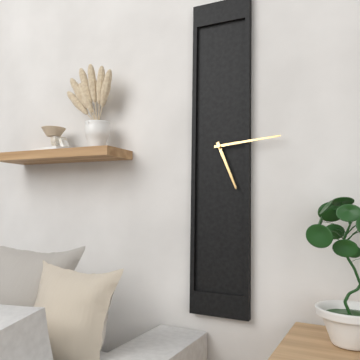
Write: 5 h 14 min
